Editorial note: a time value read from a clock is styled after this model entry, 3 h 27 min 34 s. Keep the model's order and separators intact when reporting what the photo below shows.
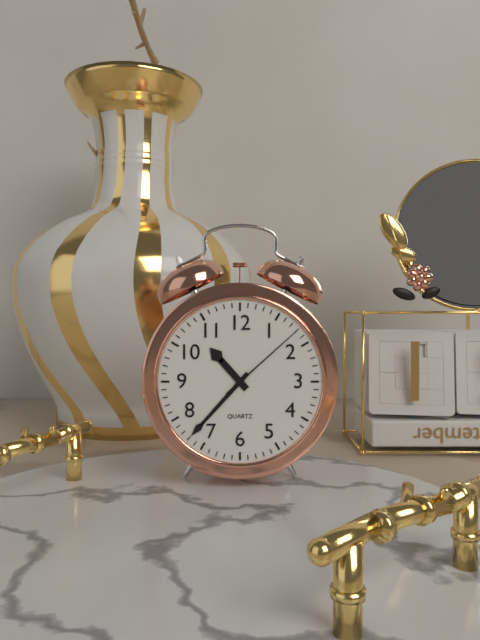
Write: 10 h 37 min 08 s
